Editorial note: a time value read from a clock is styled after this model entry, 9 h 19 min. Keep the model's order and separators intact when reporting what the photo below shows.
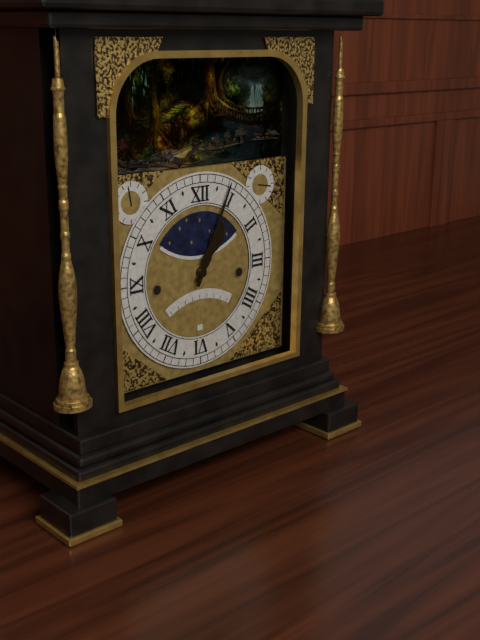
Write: 1 h 04 min
